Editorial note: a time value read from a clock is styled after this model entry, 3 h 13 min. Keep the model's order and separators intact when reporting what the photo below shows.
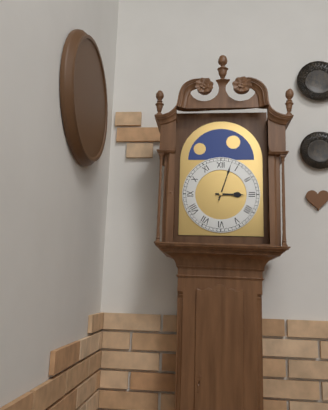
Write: 3 h 03 min
